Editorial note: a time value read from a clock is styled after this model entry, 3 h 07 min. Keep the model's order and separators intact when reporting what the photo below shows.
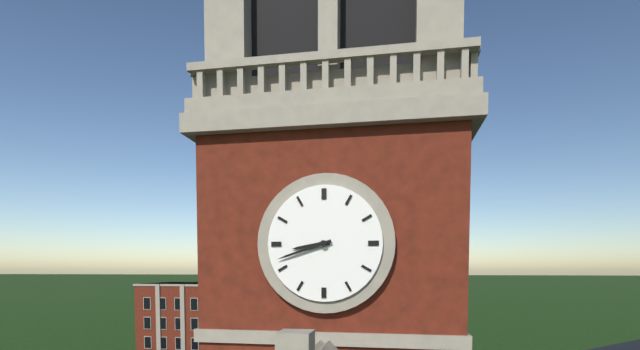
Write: 8 h 42 min
